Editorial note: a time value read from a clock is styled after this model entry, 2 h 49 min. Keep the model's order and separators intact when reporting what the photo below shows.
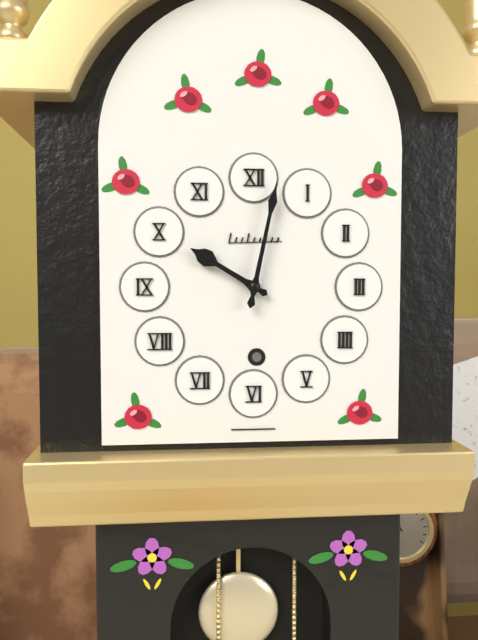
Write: 10 h 02 min
